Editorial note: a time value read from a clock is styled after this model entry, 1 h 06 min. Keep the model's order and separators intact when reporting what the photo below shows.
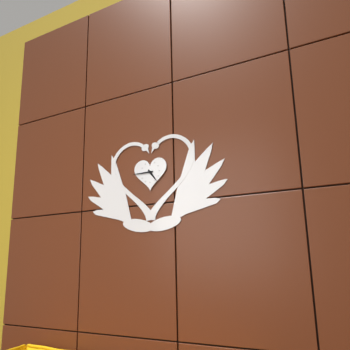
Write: 4 h 45 min
